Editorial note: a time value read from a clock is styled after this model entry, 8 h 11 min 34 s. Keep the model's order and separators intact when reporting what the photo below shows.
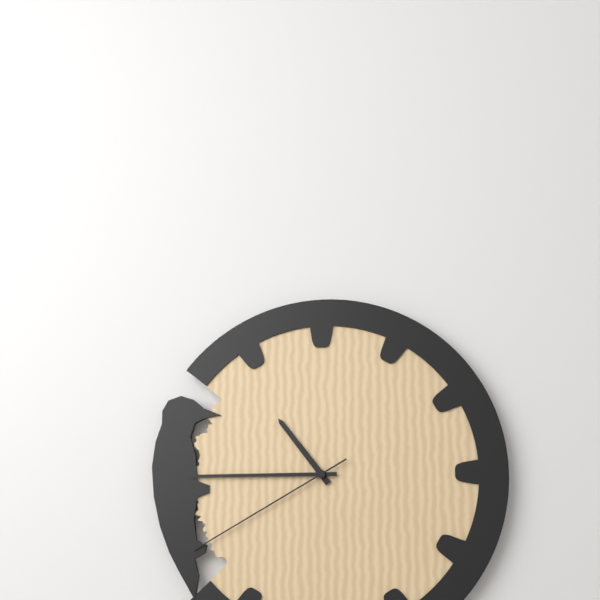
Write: 10 h 45 min 40 s
